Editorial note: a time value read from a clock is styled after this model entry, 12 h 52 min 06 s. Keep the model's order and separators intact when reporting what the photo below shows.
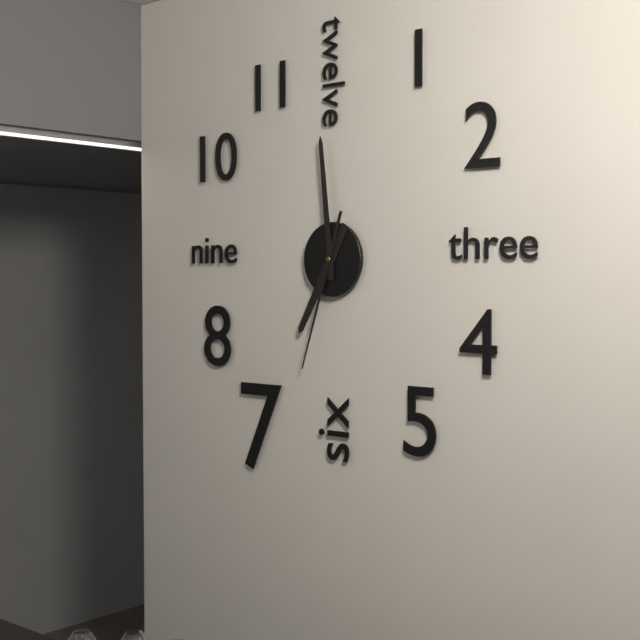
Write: 6 h 59 min 33 s
